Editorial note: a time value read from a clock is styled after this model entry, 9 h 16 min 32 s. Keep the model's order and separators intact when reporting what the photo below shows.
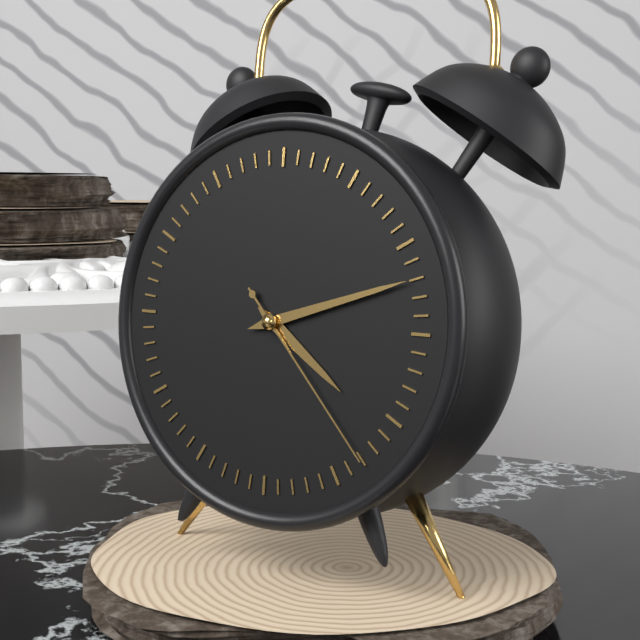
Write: 4 h 12 min 23 s
